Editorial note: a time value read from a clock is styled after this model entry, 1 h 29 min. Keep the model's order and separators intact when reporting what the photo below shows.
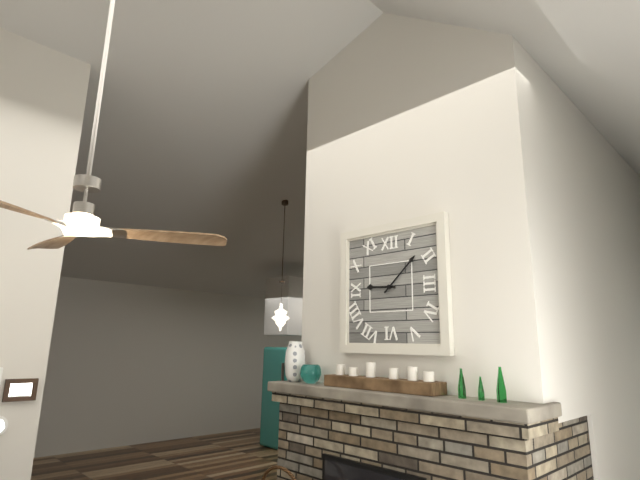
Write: 9 h 08 min
